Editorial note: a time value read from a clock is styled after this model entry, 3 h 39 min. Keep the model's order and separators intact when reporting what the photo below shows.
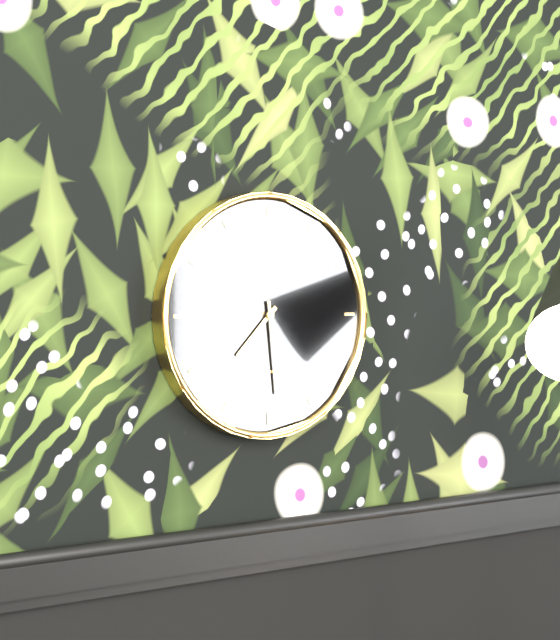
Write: 7 h 29 min
